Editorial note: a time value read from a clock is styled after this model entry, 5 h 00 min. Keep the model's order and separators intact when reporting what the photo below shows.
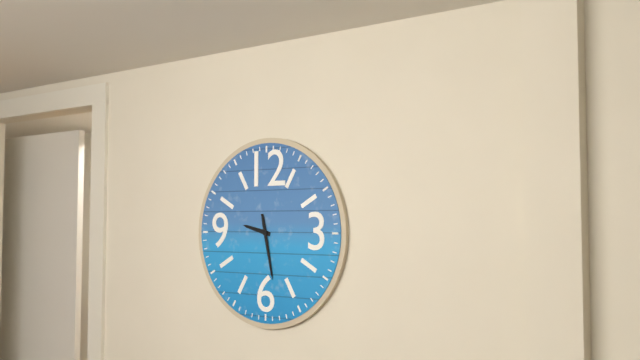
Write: 9 h 28 min
